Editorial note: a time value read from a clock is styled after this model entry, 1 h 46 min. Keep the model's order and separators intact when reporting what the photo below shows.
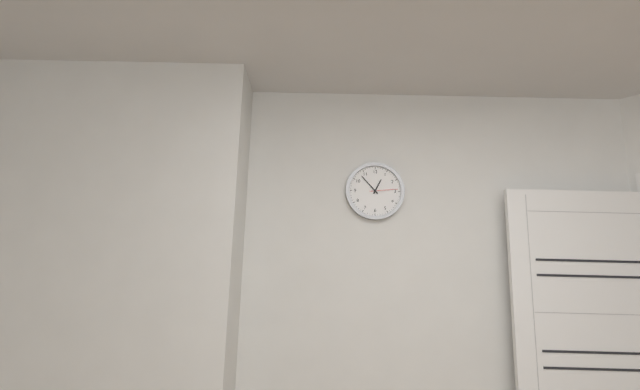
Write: 12 h 53 min
